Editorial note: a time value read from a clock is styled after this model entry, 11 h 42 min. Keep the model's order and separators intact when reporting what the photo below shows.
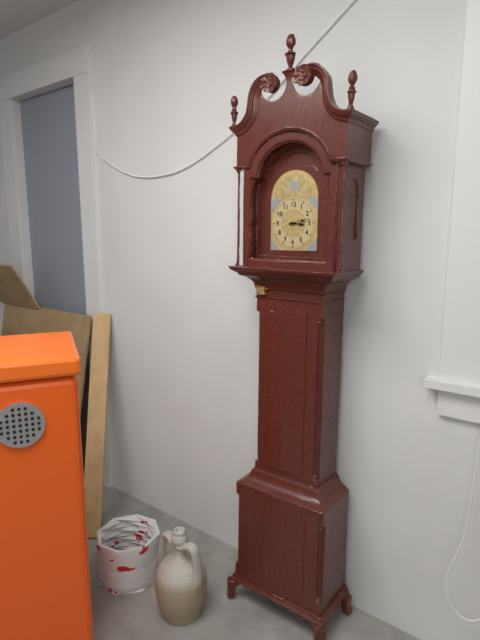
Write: 3 h 13 min
